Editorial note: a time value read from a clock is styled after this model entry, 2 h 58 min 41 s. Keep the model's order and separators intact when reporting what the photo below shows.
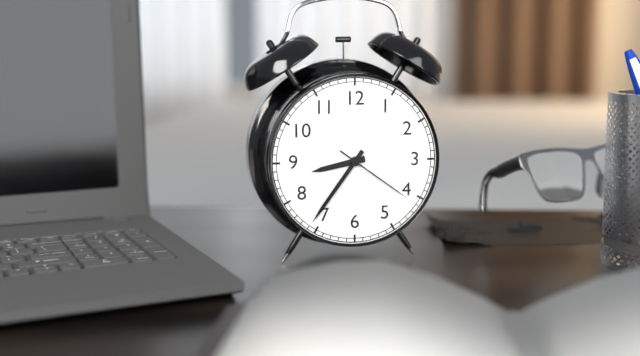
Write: 8 h 36 min 21 s
